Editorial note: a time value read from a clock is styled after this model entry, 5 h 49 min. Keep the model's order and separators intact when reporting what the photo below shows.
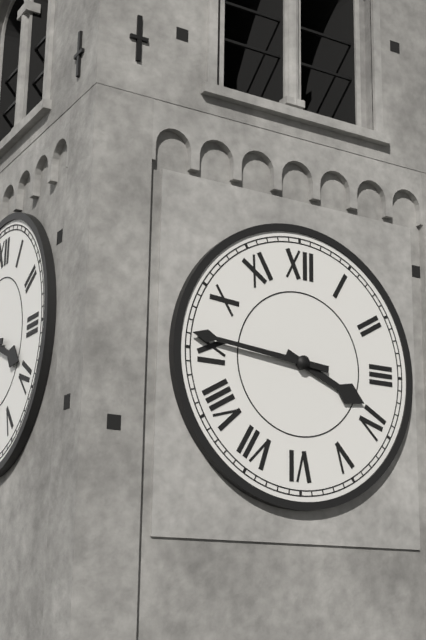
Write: 3 h 46 min
